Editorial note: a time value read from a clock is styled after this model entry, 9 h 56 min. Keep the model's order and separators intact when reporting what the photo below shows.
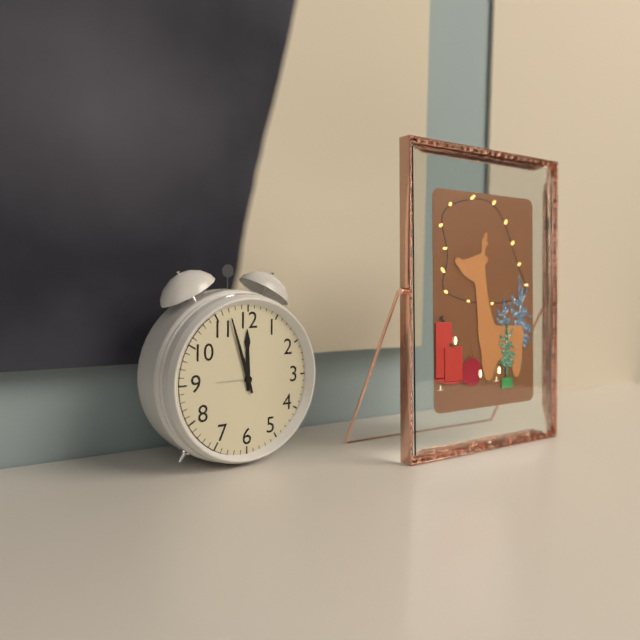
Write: 11 h 57 min
